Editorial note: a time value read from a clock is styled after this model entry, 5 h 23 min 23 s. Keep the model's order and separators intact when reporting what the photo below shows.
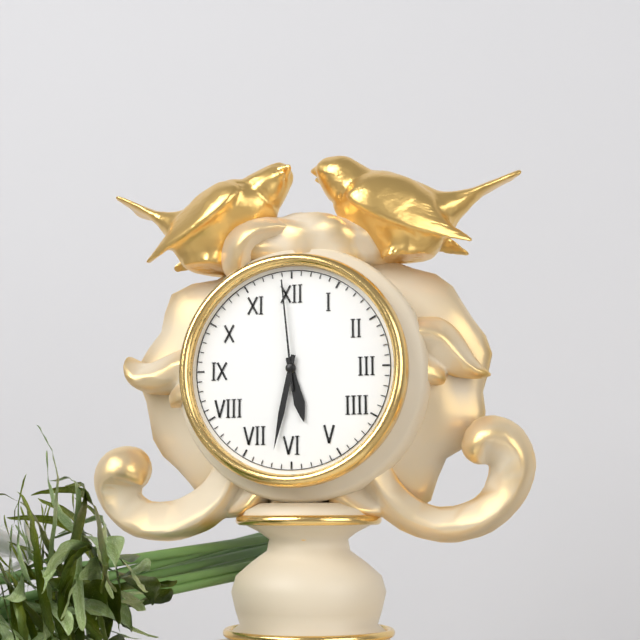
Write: 5 h 32 min 59 s
